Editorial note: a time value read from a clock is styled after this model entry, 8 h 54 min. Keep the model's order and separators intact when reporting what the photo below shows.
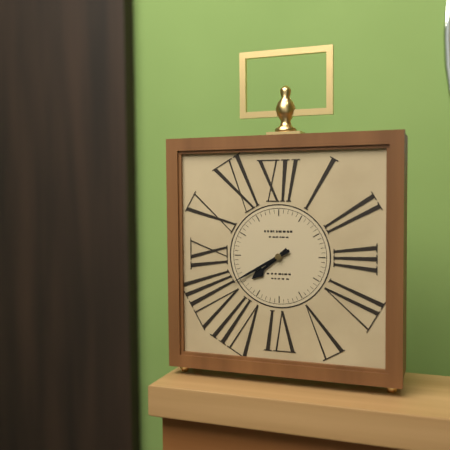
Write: 7 h 40 min
